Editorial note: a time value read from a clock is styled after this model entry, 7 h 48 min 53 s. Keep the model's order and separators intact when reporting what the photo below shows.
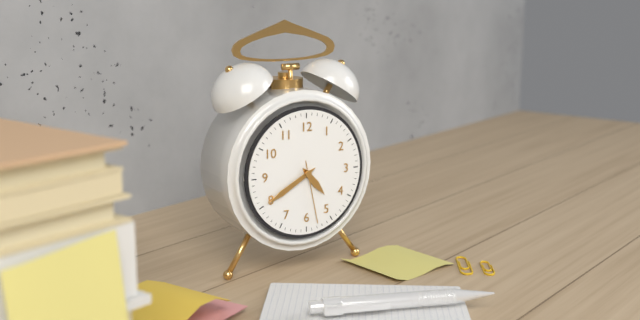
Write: 4 h 40 min 28 s
